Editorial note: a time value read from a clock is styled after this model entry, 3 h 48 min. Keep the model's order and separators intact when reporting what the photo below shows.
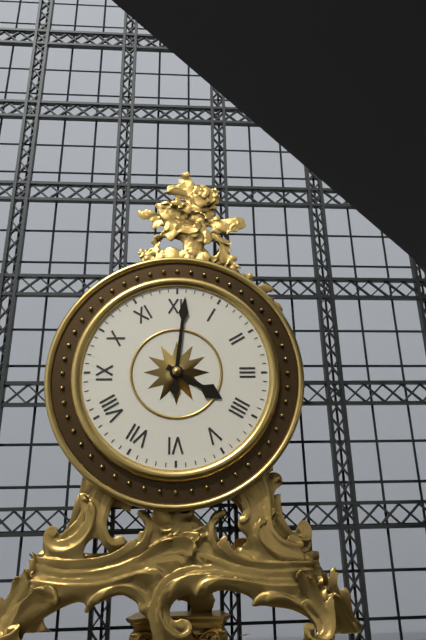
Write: 4 h 01 min
